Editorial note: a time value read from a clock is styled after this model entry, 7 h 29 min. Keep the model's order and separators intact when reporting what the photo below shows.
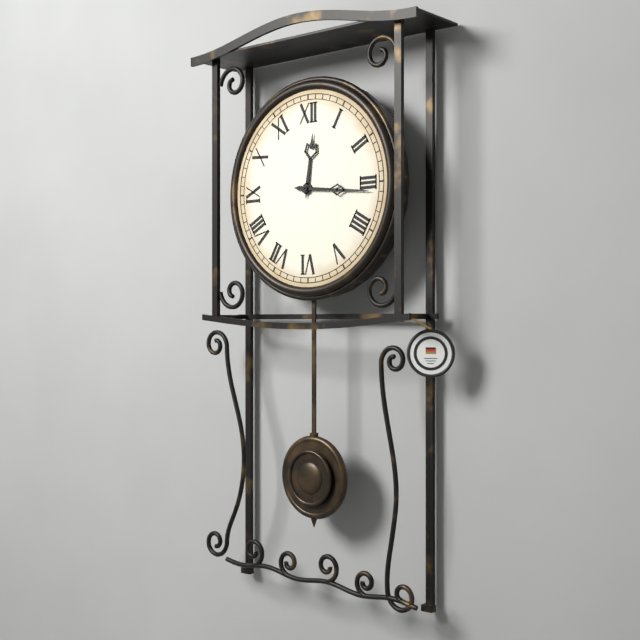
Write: 12 h 16 min
